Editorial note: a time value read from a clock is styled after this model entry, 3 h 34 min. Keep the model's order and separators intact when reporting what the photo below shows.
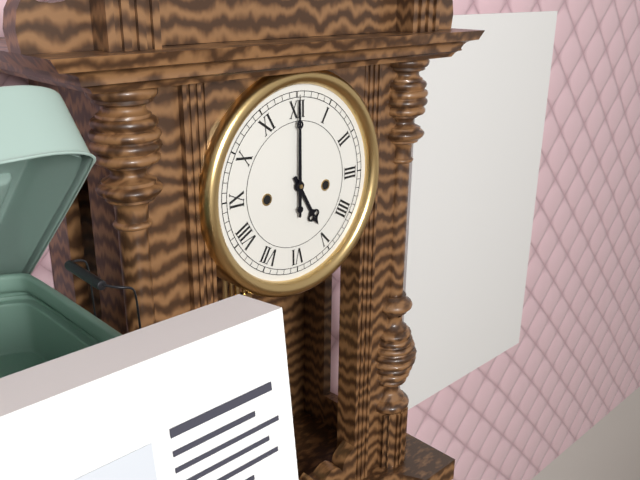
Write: 5 h 00 min
